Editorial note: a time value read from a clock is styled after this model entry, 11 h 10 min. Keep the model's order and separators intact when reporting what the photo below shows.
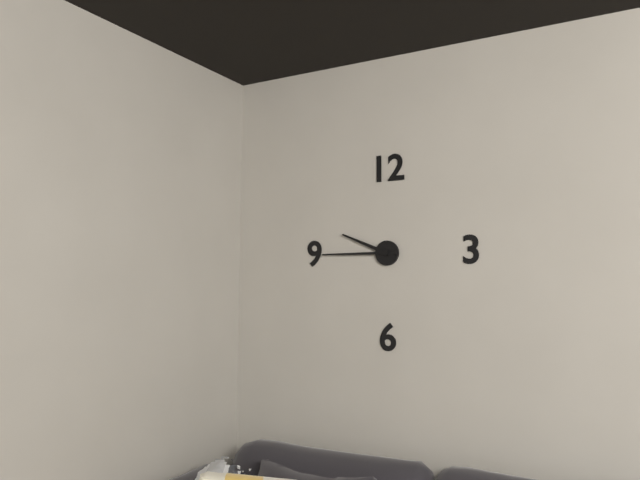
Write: 9 h 45 min
